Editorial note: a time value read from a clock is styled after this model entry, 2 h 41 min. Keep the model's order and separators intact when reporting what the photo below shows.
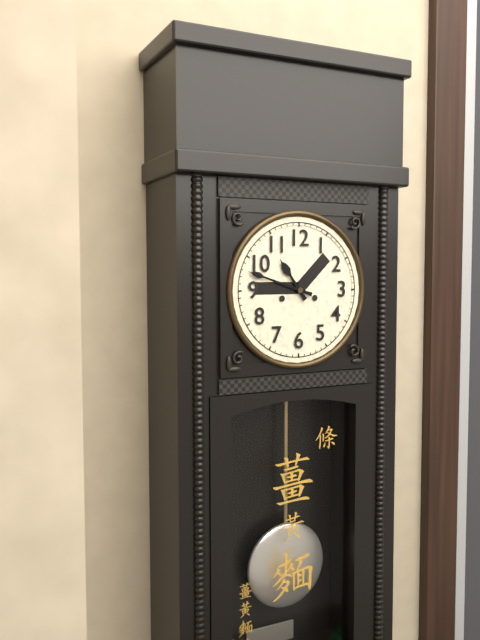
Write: 10 h 48 min
